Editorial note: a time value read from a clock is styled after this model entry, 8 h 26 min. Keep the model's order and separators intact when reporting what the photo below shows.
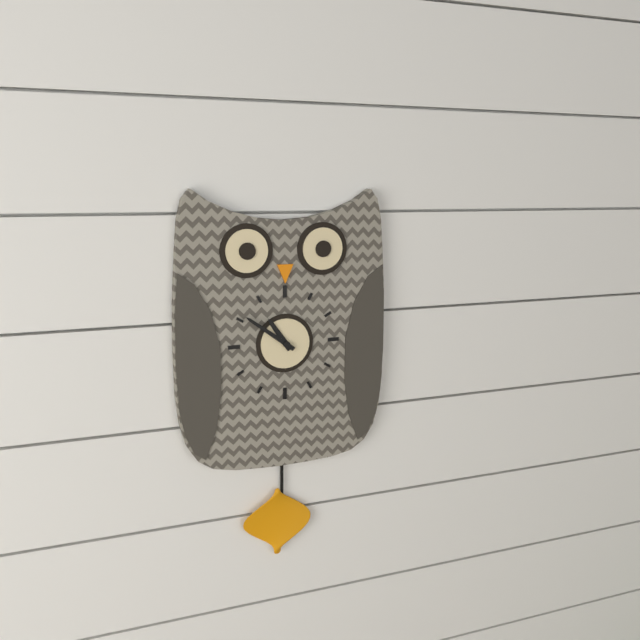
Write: 10 h 51 min
